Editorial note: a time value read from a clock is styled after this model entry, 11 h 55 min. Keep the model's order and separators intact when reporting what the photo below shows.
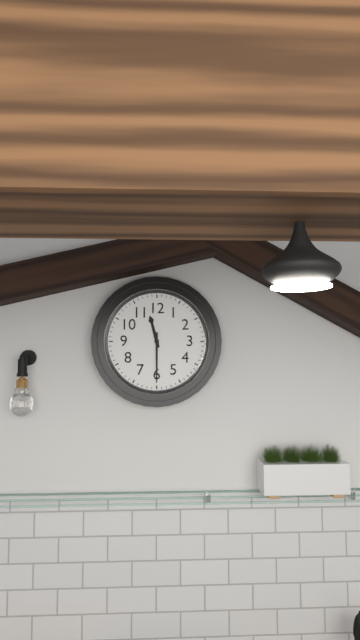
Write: 11 h 30 min
